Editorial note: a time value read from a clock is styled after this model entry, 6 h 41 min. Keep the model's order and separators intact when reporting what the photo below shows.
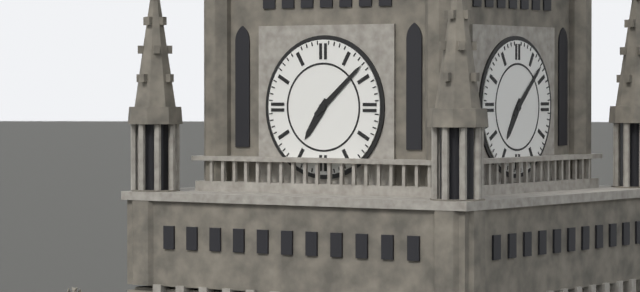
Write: 7 h 08 min
